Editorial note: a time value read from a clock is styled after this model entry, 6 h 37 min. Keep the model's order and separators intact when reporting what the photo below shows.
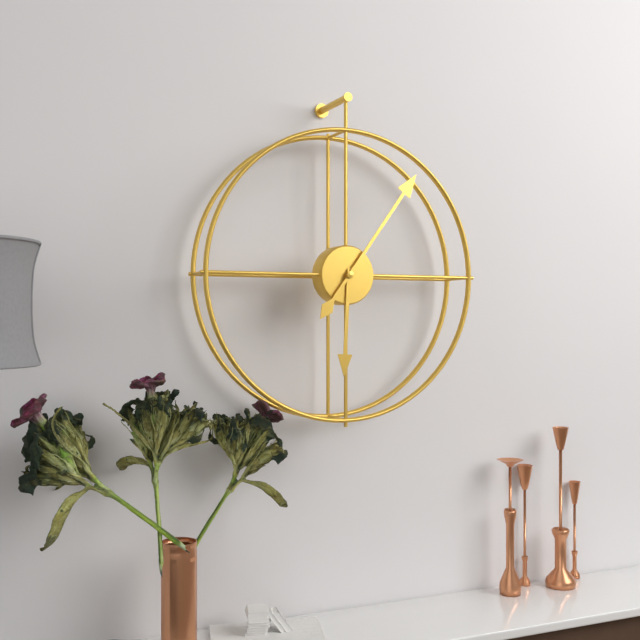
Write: 6 h 06 min
